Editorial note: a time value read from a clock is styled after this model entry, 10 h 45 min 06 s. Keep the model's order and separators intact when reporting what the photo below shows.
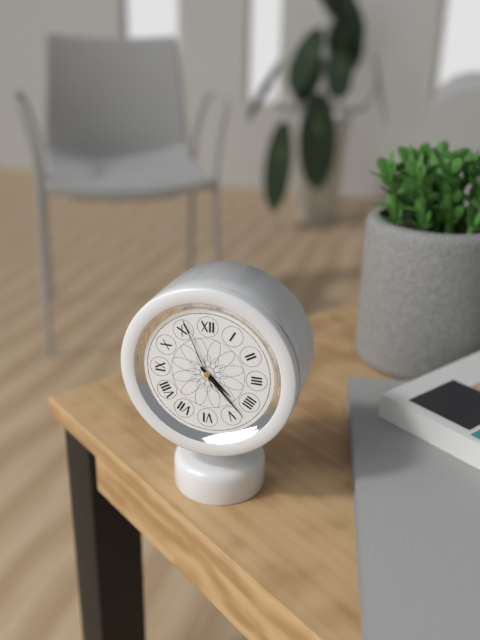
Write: 4 h 23 min 56 s
